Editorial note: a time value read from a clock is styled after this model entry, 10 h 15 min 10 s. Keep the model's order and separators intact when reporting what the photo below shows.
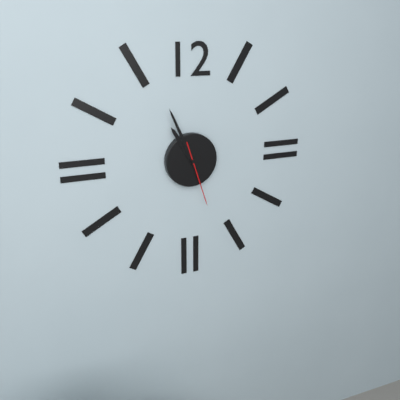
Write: 10 h 56 min 27 s
